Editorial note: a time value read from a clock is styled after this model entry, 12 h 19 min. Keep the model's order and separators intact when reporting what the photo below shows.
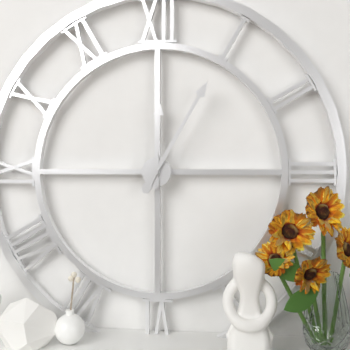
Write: 12 h 05 min
